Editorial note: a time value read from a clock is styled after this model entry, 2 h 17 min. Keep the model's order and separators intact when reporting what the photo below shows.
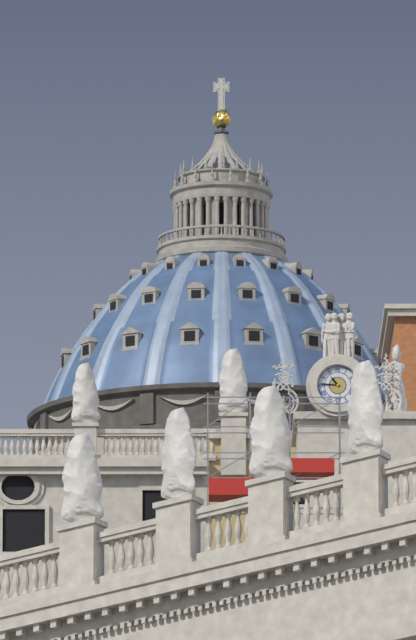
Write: 10 h 46 min
